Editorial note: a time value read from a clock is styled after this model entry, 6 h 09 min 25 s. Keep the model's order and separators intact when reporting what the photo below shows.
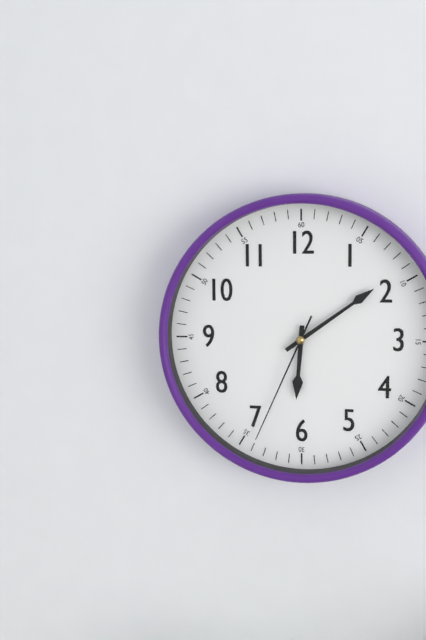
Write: 6 h 09 min 34 s
